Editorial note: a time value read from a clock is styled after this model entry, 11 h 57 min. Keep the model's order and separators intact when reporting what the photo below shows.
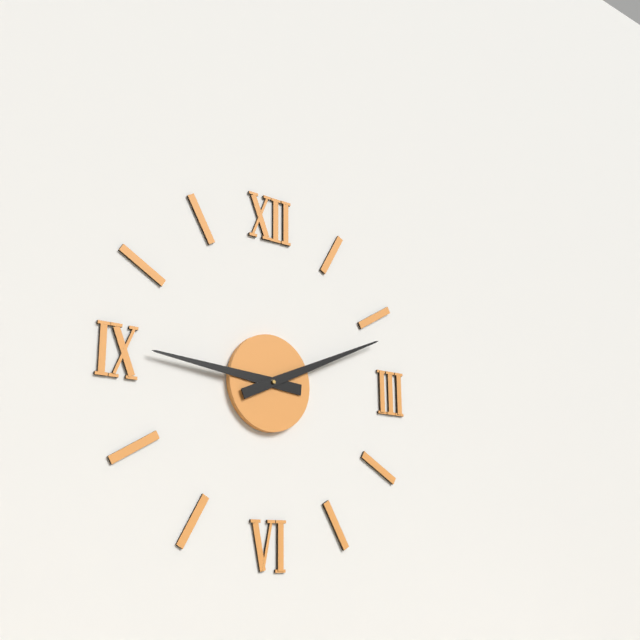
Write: 9 h 11 min
